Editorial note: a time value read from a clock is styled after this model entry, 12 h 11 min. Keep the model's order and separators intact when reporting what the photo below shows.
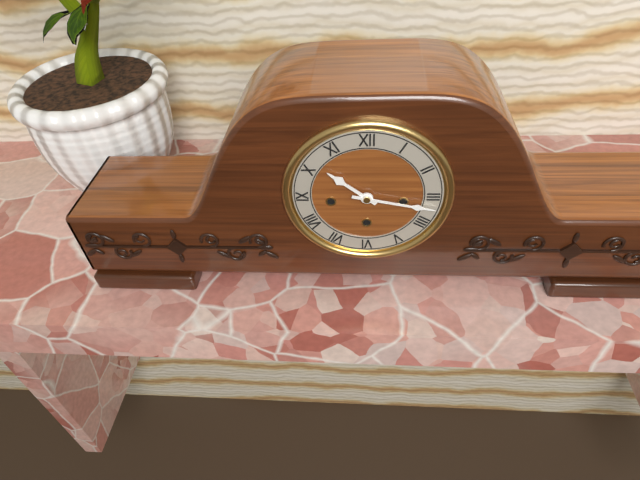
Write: 10 h 17 min
